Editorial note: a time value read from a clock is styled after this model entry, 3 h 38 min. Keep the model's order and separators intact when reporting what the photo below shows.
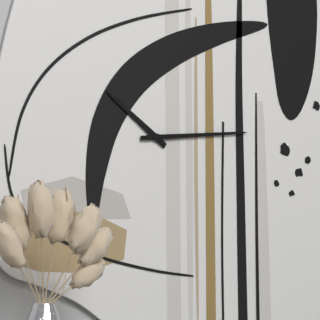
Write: 10 h 14 min
